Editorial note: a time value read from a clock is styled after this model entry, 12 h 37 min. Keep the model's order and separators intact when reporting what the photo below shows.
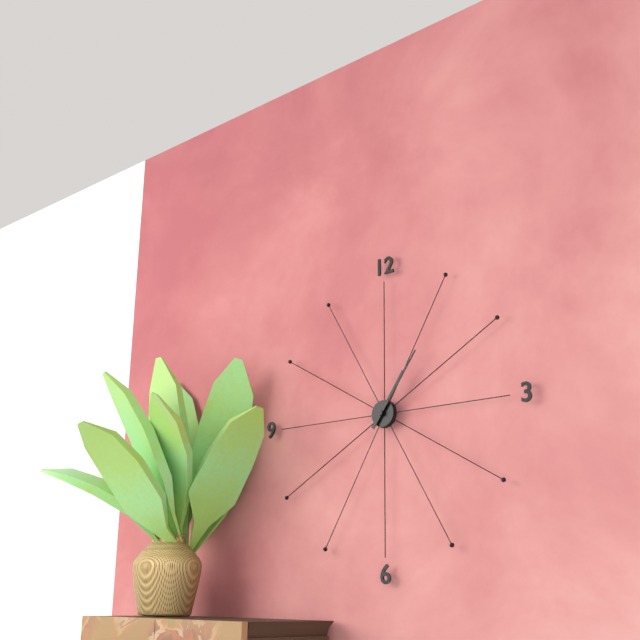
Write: 1 h 06 min
